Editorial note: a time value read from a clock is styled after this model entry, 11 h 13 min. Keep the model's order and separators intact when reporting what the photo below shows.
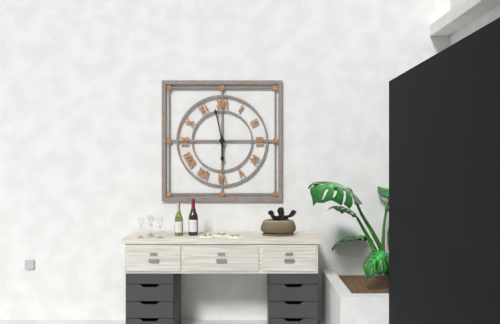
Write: 5 h 58 min
